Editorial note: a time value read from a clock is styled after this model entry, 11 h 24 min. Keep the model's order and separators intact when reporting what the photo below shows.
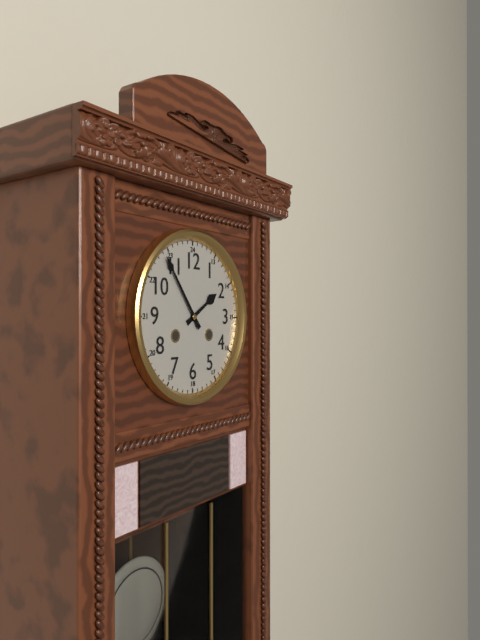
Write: 1 h 54 min
